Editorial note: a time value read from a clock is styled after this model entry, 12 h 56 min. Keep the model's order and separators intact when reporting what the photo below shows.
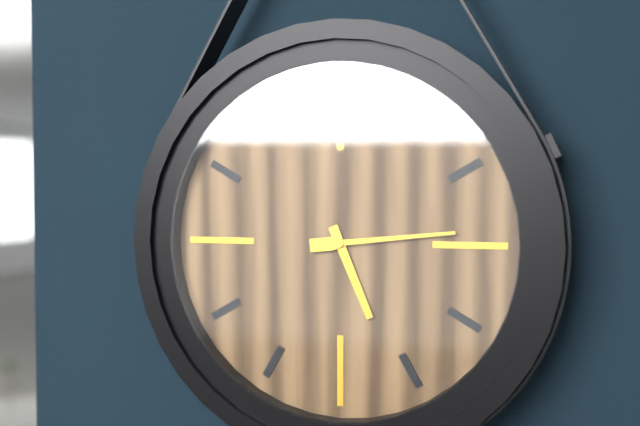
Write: 5 h 14 min
